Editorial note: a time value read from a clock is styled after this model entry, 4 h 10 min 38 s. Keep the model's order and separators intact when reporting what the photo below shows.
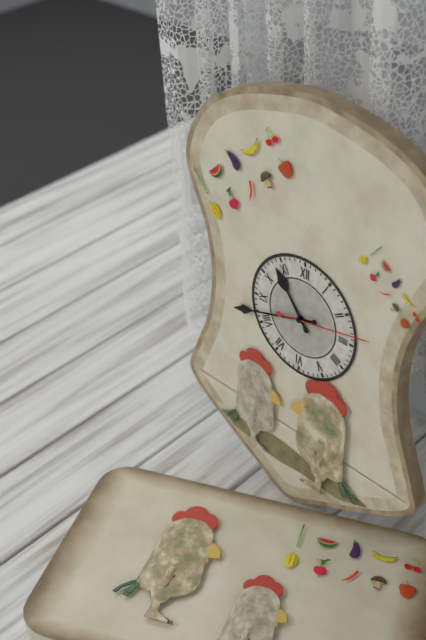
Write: 10 h 42 min 13 s
